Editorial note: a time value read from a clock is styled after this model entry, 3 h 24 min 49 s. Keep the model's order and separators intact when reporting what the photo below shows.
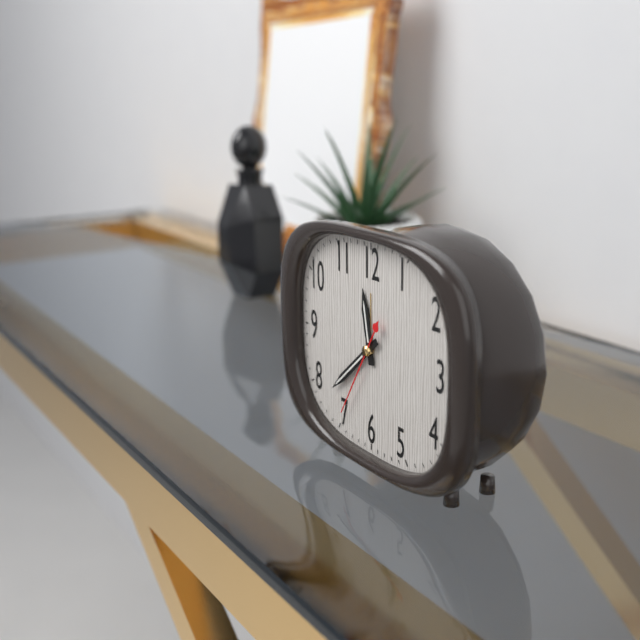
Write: 11 h 38 min 35 s
